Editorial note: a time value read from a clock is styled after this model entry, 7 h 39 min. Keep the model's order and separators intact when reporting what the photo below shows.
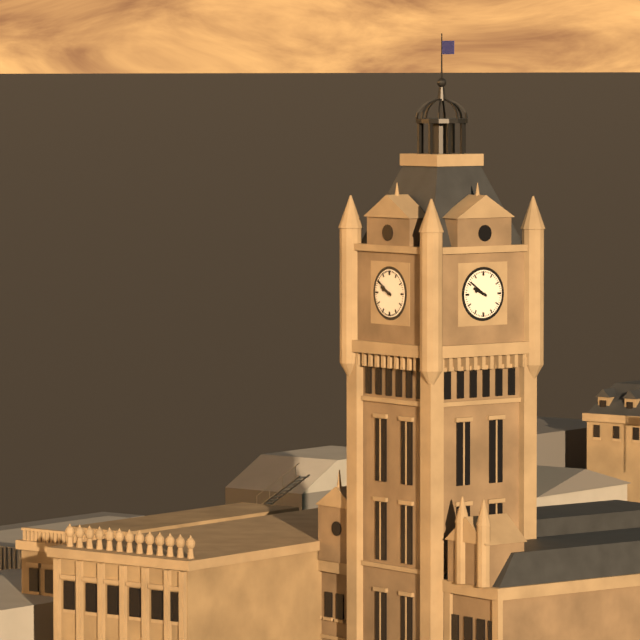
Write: 9 h 51 min
